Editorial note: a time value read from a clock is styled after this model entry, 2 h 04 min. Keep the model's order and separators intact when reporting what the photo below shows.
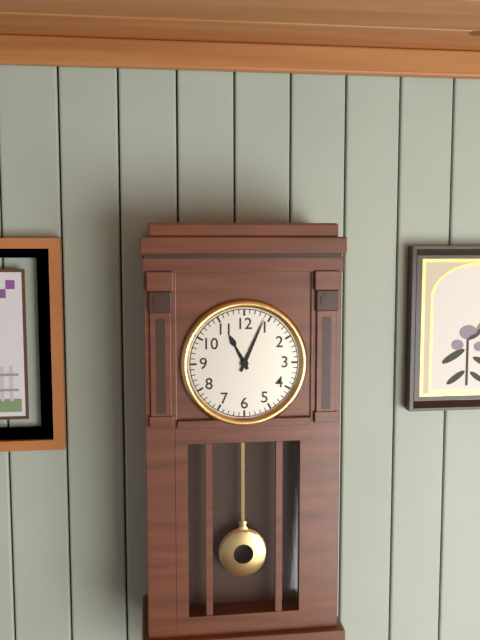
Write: 11 h 04 min
